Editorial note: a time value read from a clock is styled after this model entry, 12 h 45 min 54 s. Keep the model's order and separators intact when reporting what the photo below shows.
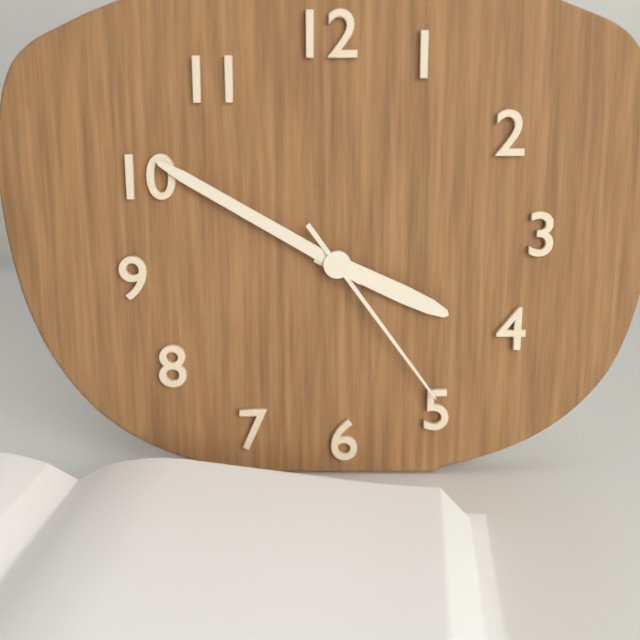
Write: 3 h 50 min 24 s
